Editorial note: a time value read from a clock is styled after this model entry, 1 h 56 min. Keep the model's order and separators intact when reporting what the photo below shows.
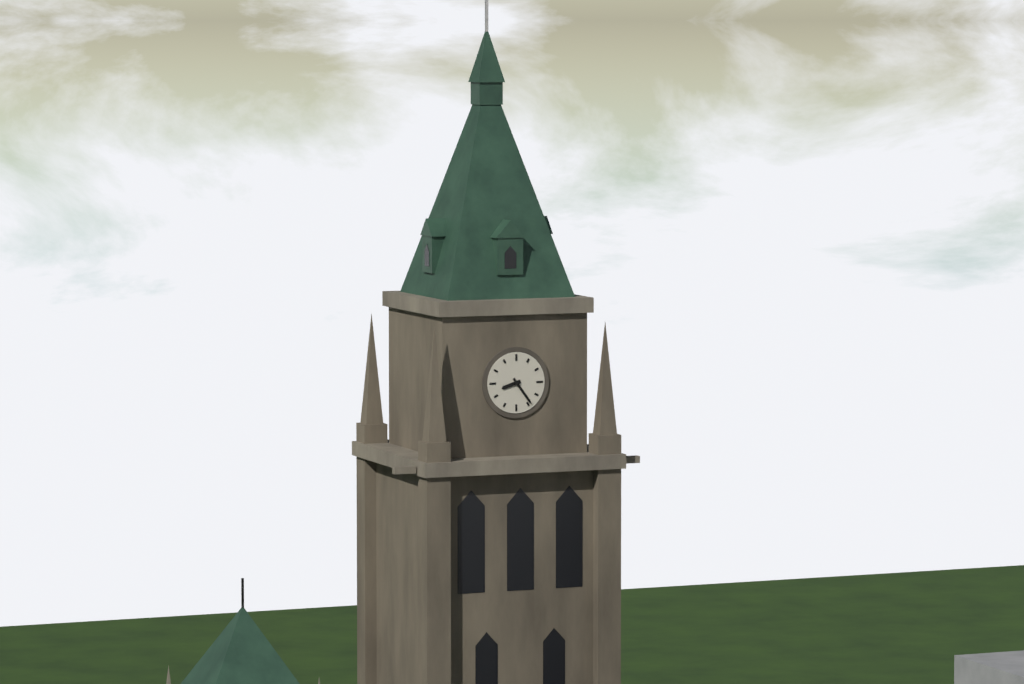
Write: 8 h 24 min
